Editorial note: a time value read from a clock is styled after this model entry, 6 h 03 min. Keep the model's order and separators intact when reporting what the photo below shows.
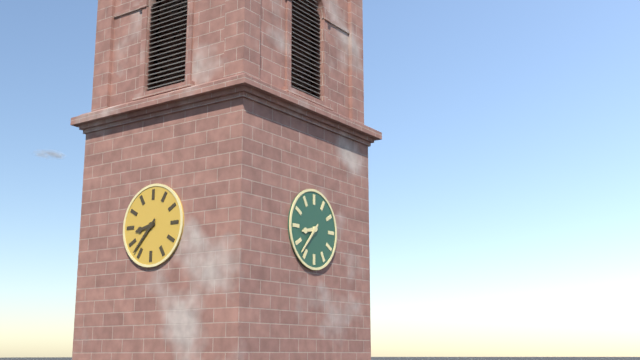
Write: 8 h 37 min
